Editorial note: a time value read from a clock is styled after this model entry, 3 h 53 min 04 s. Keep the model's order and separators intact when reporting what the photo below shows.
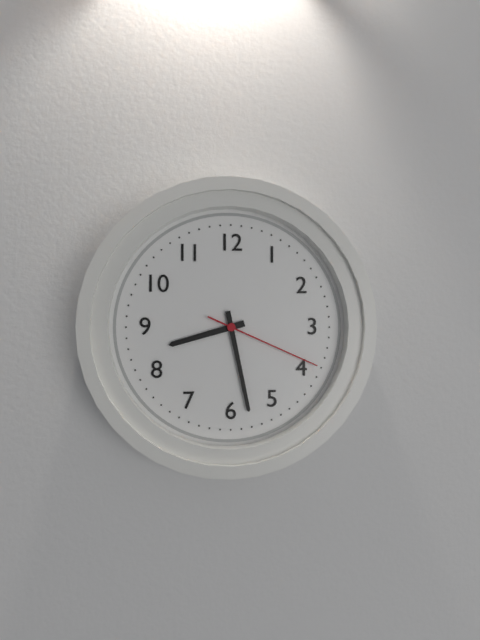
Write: 8 h 28 min 19 s
